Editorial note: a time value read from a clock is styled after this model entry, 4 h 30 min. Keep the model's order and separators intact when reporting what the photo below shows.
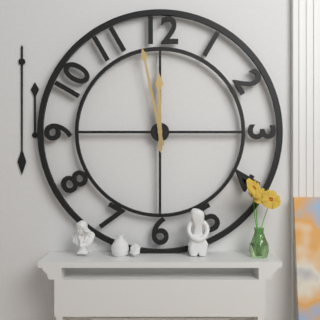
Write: 11 h 58 min
